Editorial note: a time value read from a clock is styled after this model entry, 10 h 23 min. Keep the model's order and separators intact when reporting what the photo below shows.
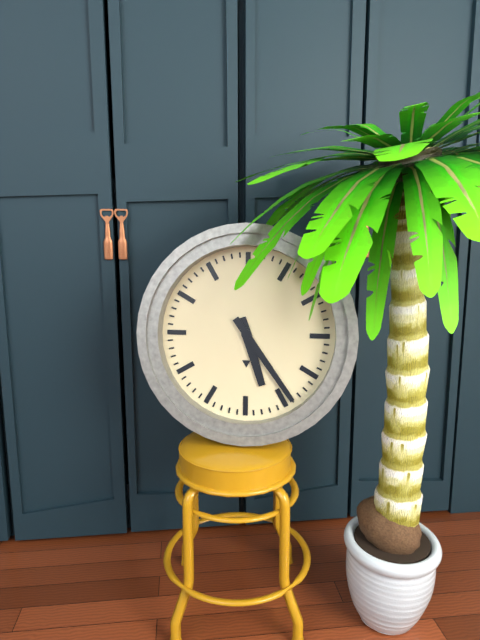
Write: 5 h 24 min
